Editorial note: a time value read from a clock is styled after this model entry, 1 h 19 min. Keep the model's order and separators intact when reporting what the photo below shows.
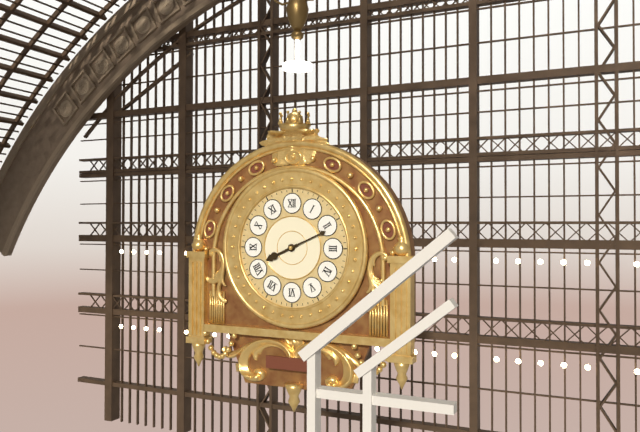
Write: 8 h 11 min
